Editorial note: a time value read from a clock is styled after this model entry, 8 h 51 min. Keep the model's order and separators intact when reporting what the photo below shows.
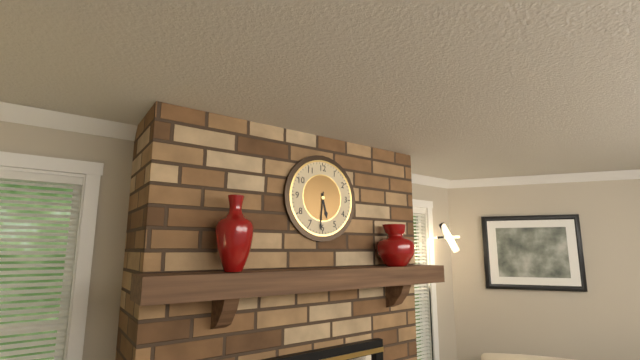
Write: 5 h 31 min
